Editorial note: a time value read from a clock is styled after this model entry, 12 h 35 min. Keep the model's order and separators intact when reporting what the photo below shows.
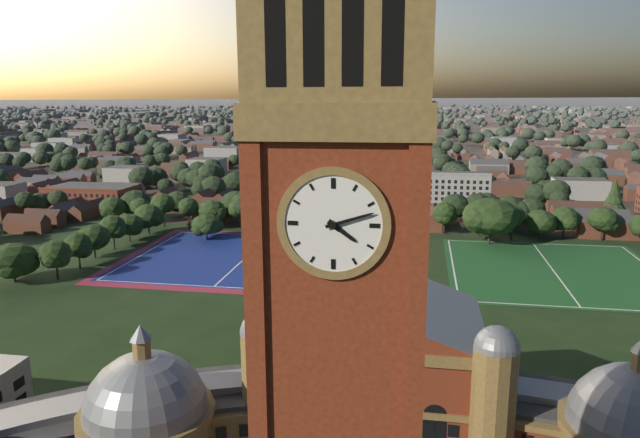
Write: 4 h 12 min
